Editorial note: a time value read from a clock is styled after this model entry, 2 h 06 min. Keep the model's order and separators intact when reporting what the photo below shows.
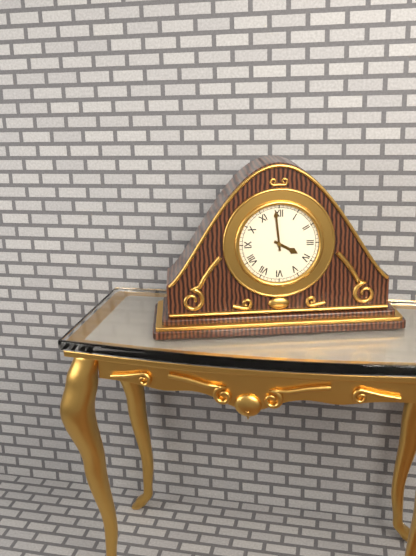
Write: 3 h 59 min
